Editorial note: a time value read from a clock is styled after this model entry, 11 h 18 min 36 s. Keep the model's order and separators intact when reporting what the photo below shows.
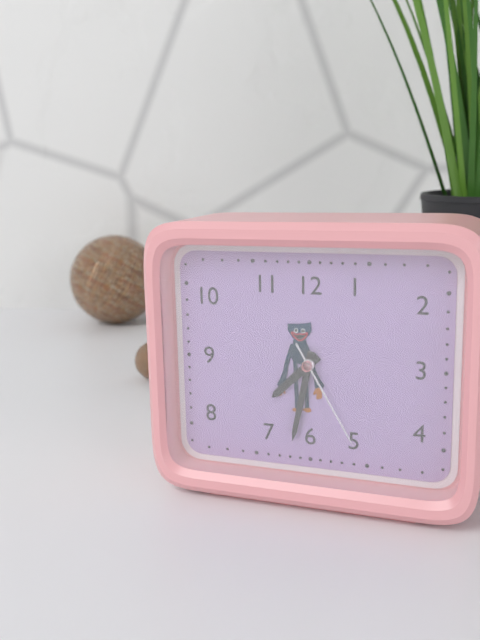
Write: 7 h 32 min 25 s
